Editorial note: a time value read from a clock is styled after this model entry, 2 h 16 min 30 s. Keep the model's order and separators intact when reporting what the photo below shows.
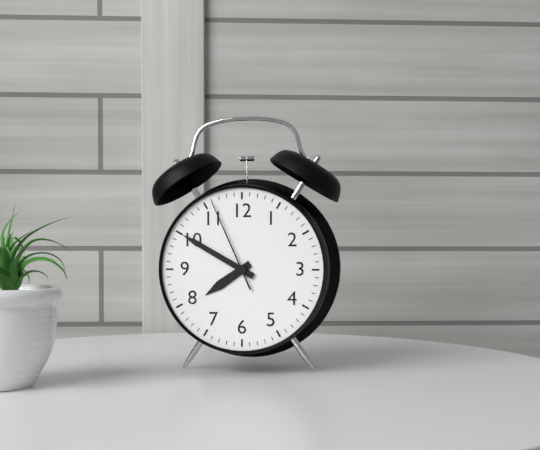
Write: 7 h 50 min 56 s
